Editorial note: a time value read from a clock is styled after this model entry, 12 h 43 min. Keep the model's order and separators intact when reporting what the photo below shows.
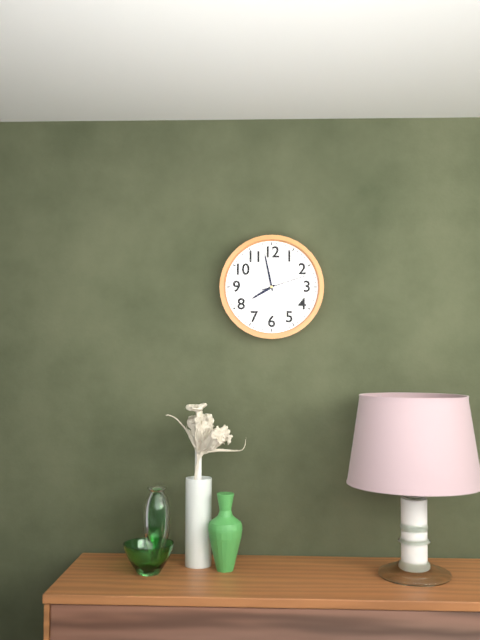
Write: 7 h 58 min
